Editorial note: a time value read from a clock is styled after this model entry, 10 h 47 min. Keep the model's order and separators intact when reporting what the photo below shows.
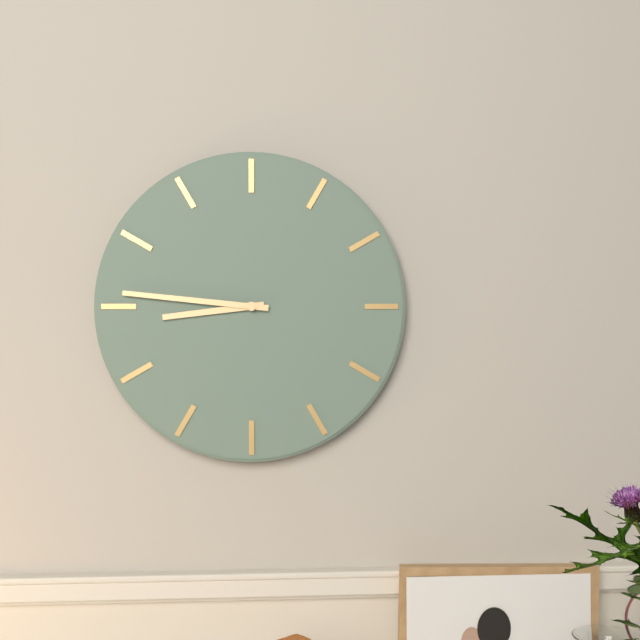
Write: 8 h 46 min
